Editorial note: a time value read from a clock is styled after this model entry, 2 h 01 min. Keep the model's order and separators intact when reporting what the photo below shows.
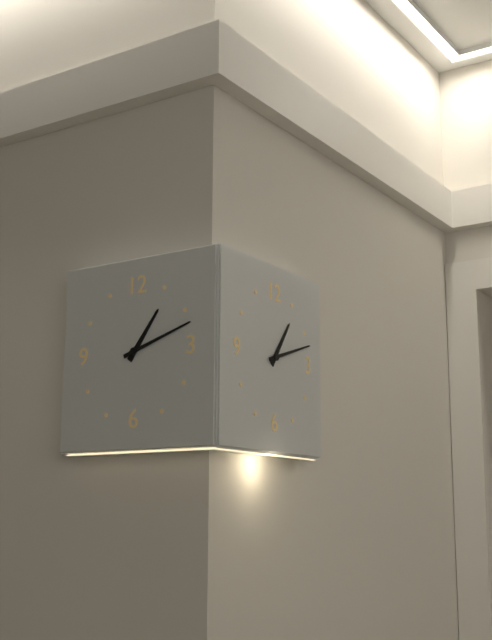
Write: 1 h 12 min
